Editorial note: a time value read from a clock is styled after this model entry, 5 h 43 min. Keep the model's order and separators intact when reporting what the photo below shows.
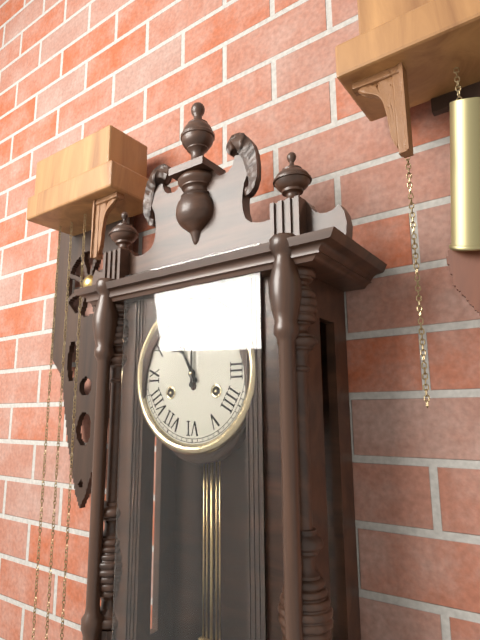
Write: 11 h 00 min
